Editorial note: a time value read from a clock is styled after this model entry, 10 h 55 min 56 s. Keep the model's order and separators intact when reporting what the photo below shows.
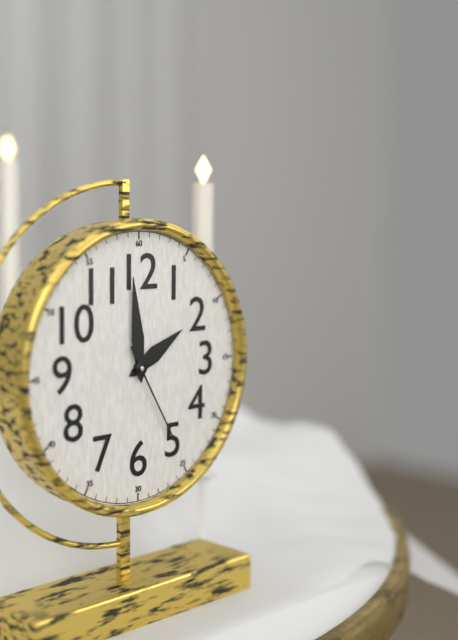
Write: 1 h 59 min 25 s
